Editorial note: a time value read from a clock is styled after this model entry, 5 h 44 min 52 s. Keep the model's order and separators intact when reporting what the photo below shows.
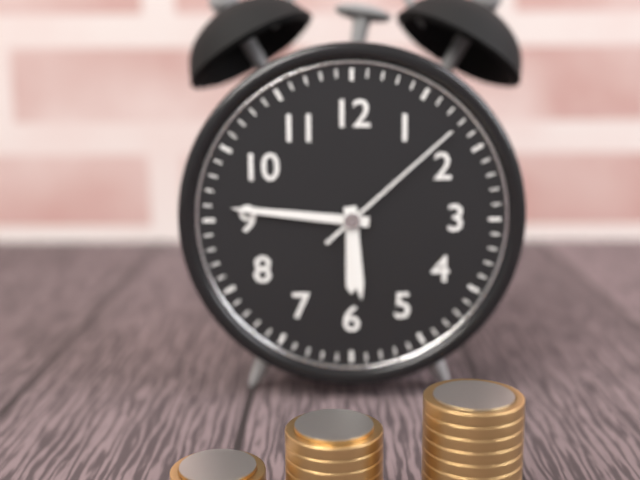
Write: 5 h 46 min 08 s
